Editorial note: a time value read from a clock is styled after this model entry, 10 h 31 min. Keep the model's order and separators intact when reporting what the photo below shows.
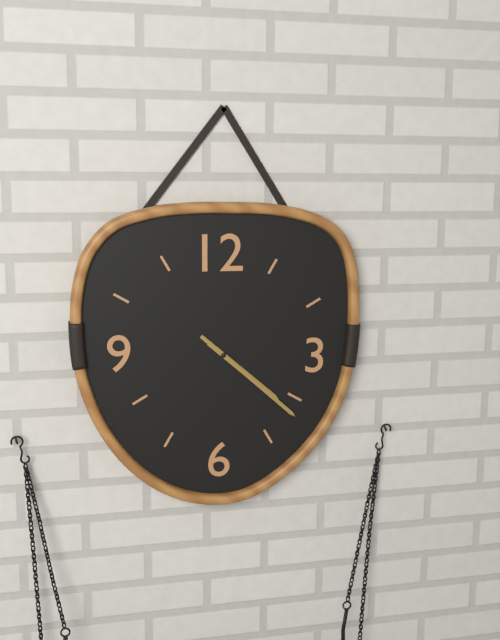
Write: 4 h 22 min
